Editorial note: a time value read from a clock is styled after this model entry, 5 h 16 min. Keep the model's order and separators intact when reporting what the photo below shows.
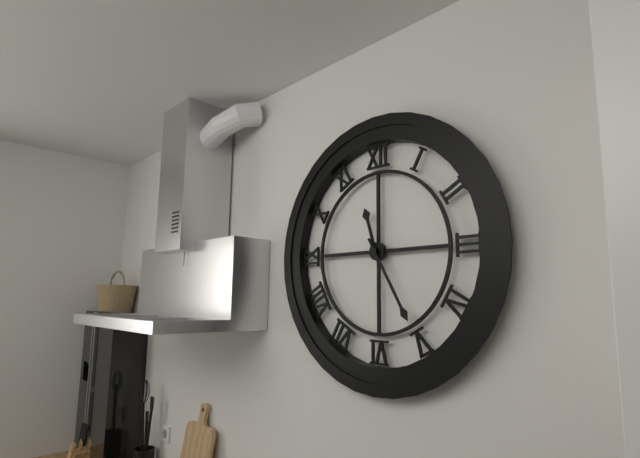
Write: 11 h 25 min
